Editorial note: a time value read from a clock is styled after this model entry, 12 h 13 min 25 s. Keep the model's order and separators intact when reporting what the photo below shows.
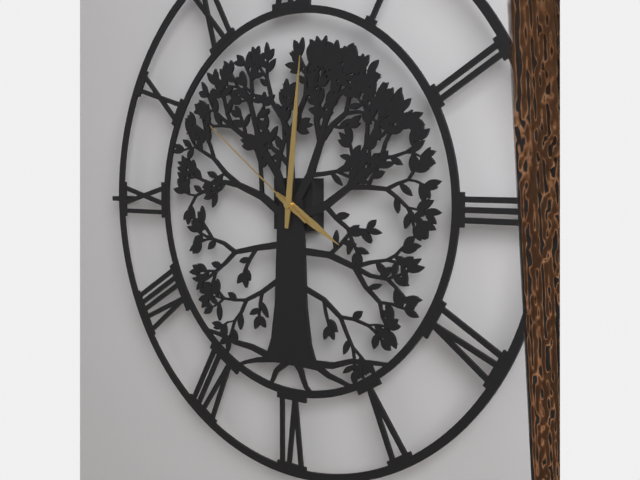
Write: 4 h 01 min 51 s
